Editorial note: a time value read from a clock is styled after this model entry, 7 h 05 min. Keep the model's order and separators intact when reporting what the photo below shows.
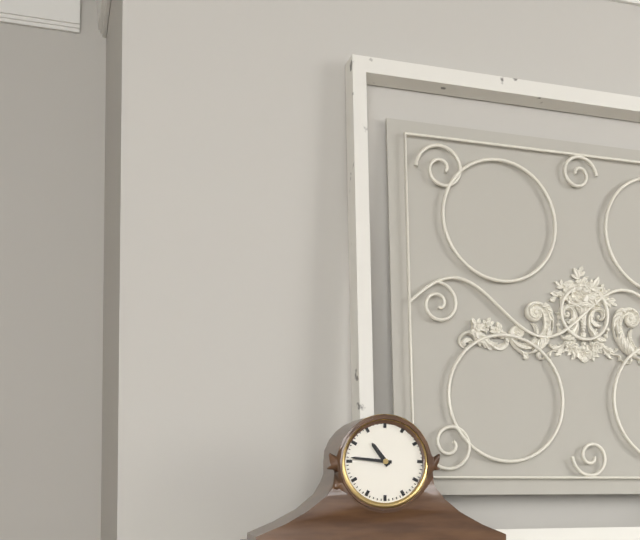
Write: 10 h 46 min
